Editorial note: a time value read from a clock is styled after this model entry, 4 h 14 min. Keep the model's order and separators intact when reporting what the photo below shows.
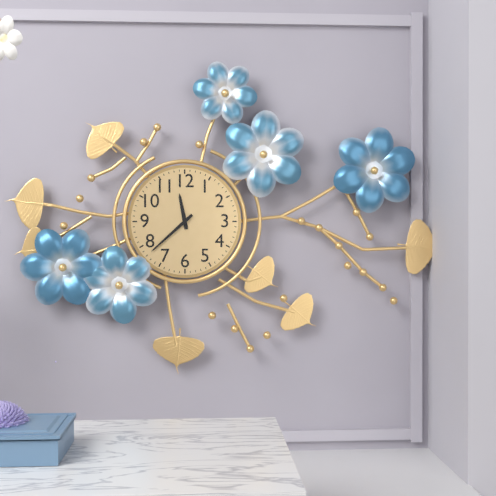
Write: 11 h 38 min
